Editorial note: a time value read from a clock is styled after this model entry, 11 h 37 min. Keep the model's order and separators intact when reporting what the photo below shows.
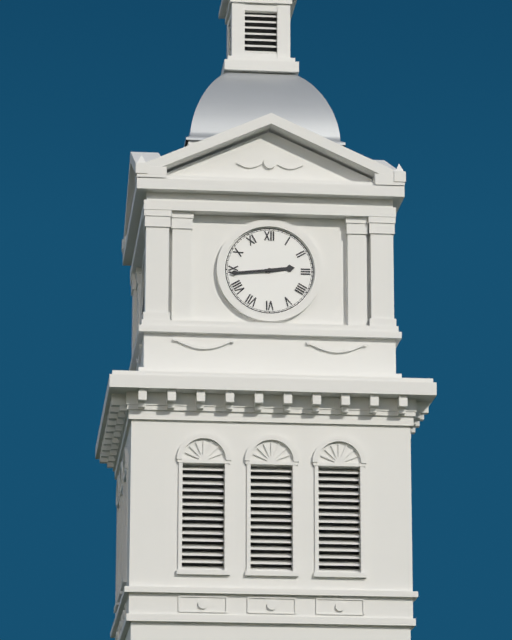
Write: 2 h 44 min
